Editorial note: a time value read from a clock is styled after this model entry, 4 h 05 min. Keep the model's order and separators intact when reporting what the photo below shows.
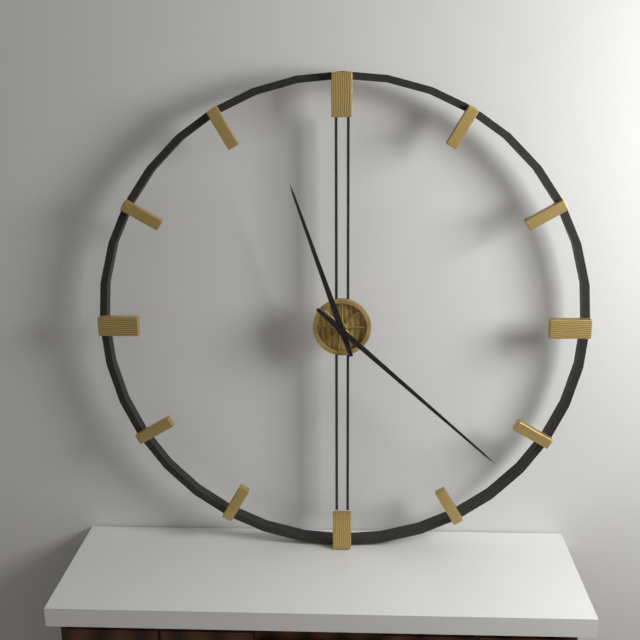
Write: 11 h 22 min
